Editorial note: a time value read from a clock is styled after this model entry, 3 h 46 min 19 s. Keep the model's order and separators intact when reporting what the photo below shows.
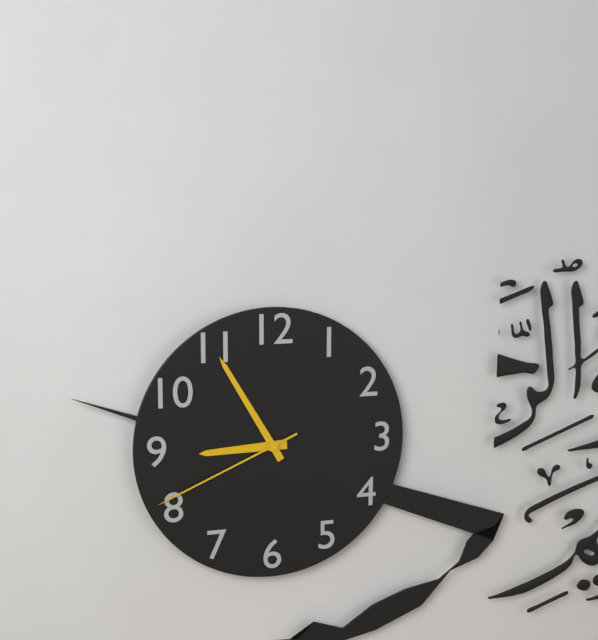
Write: 8 h 55 min 41 s
